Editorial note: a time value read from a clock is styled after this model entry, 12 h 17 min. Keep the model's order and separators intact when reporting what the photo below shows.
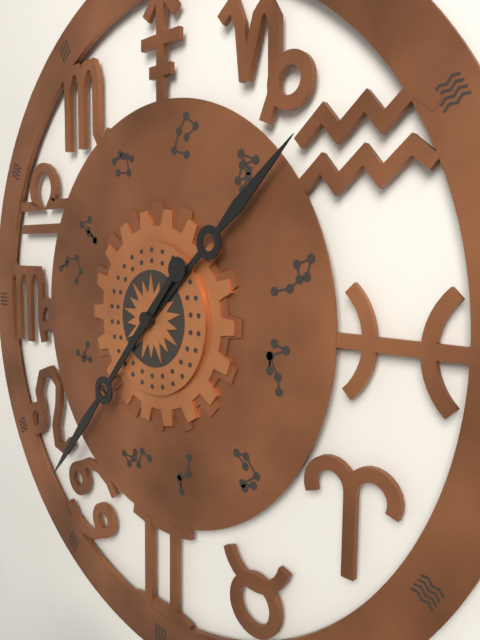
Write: 1 h 37 min
